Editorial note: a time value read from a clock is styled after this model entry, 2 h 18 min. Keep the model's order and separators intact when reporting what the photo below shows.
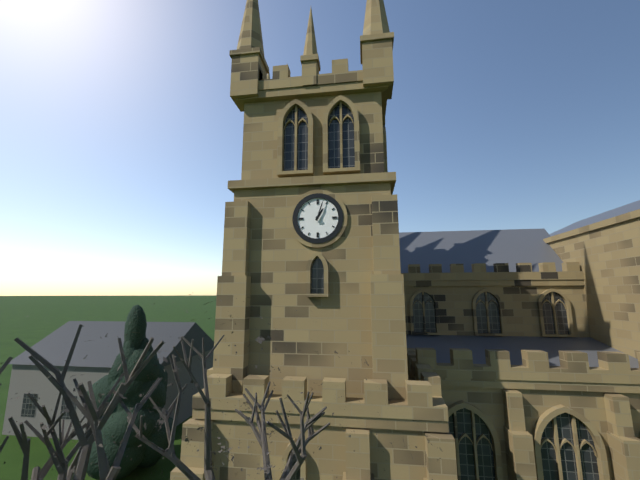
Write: 1 h 03 min
